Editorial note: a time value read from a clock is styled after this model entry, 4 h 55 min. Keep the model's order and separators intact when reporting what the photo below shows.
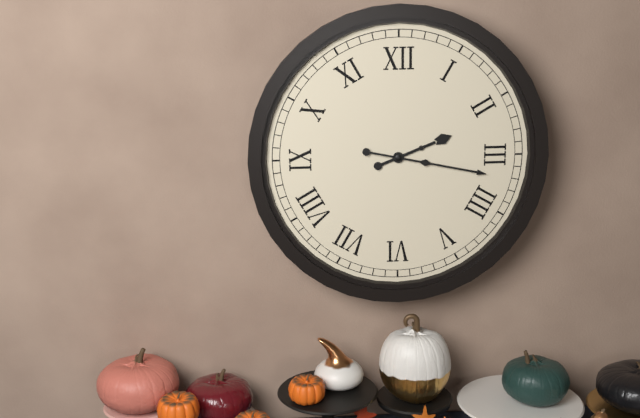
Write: 2 h 17 min
